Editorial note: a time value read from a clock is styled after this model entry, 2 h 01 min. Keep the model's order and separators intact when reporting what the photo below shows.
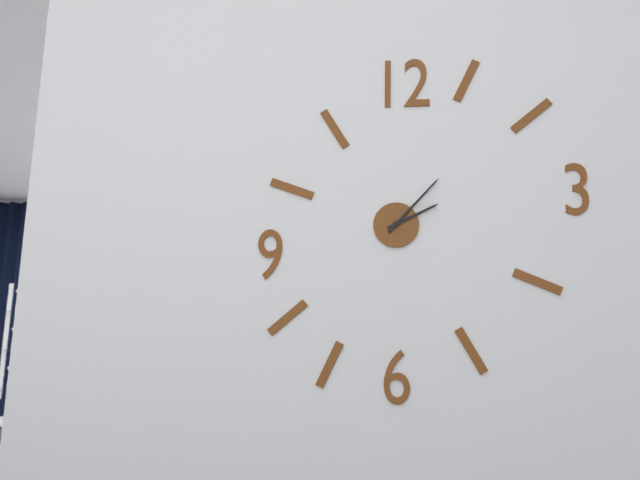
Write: 2 h 07 min
